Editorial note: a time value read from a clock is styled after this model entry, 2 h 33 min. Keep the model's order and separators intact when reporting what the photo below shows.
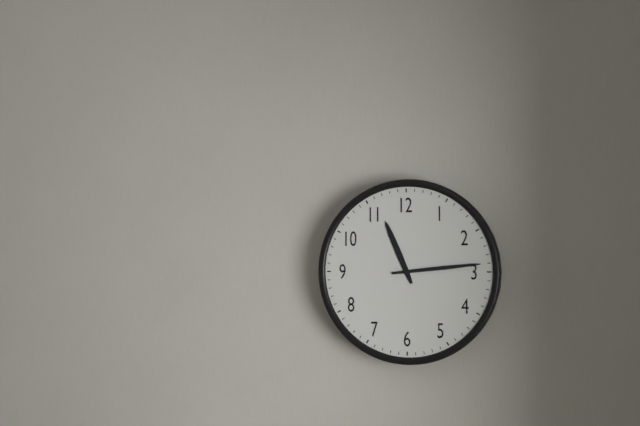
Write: 11 h 14 min
